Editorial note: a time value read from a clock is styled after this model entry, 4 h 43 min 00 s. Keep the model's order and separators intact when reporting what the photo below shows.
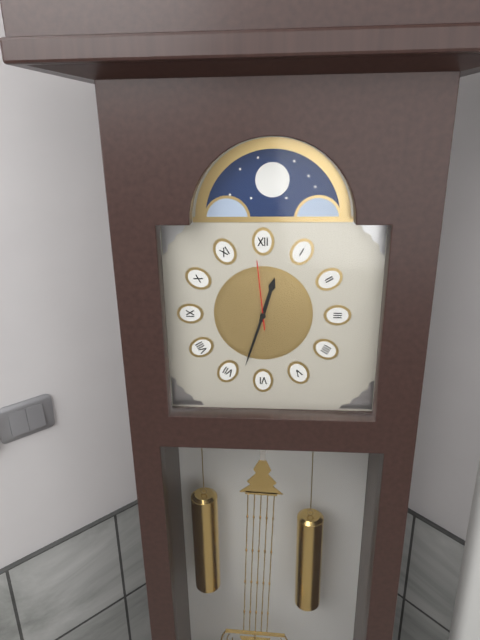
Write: 12 h 33 min 59 s
